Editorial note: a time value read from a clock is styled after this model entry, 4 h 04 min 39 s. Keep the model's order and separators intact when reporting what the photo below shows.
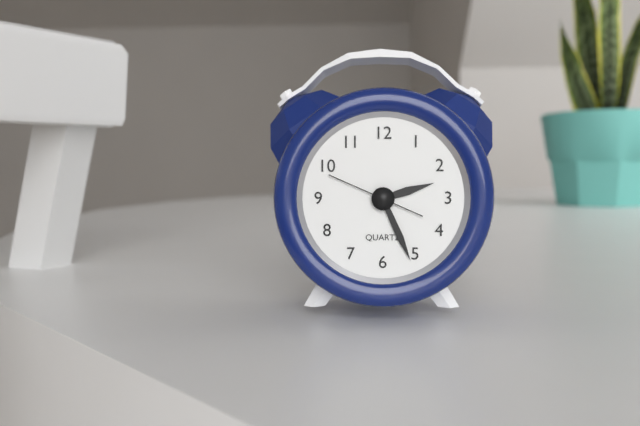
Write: 2 h 26 min 49 s
